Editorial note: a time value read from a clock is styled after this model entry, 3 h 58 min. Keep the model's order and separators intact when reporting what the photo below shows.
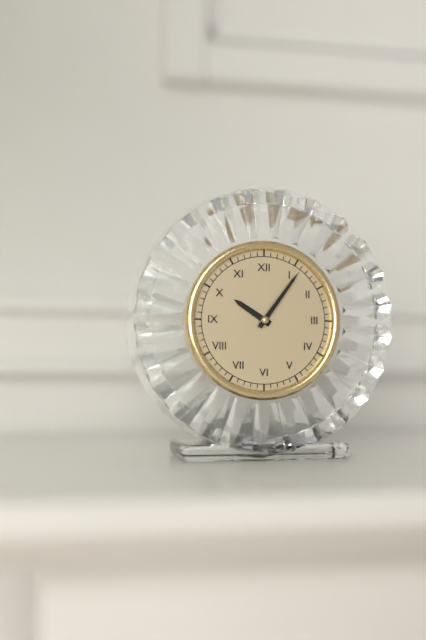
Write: 10 h 06 min
